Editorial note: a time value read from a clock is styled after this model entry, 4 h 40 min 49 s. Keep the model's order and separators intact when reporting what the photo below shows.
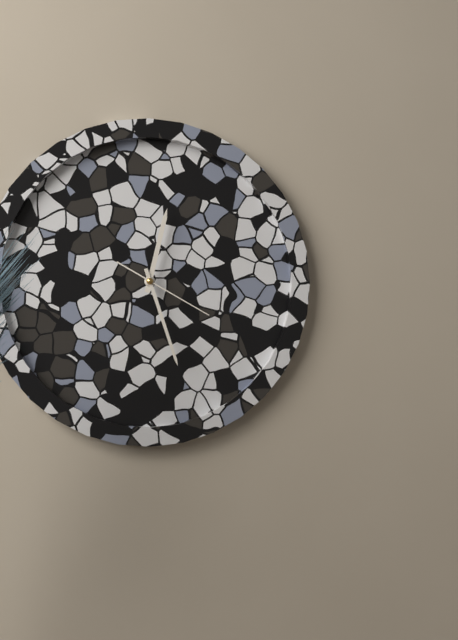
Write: 12 h 27 min 20 s
